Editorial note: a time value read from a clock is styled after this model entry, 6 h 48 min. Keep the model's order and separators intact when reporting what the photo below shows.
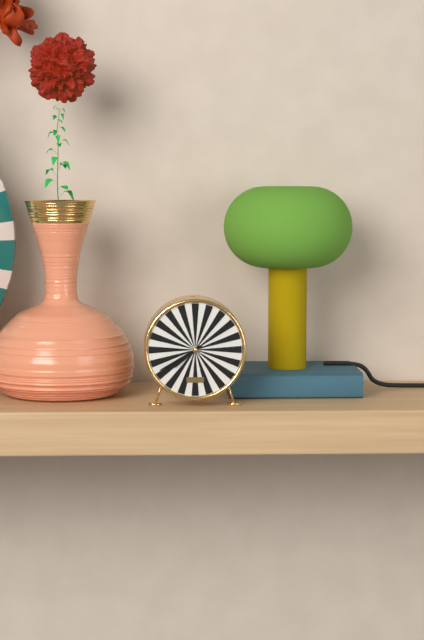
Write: 7 h 40 min
